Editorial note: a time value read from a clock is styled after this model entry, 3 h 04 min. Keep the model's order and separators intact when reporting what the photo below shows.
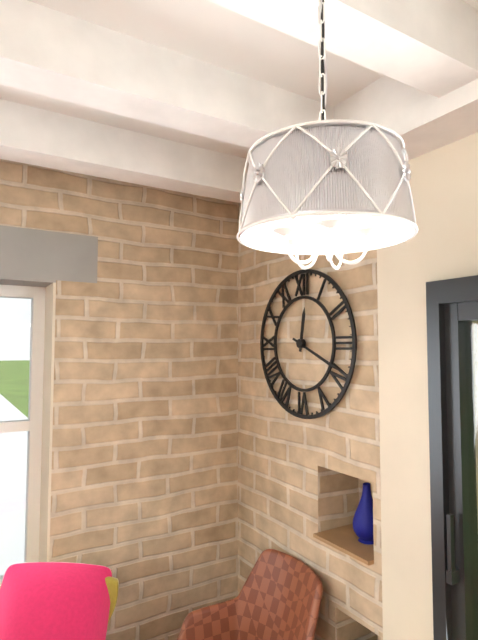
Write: 12 h 19 min
